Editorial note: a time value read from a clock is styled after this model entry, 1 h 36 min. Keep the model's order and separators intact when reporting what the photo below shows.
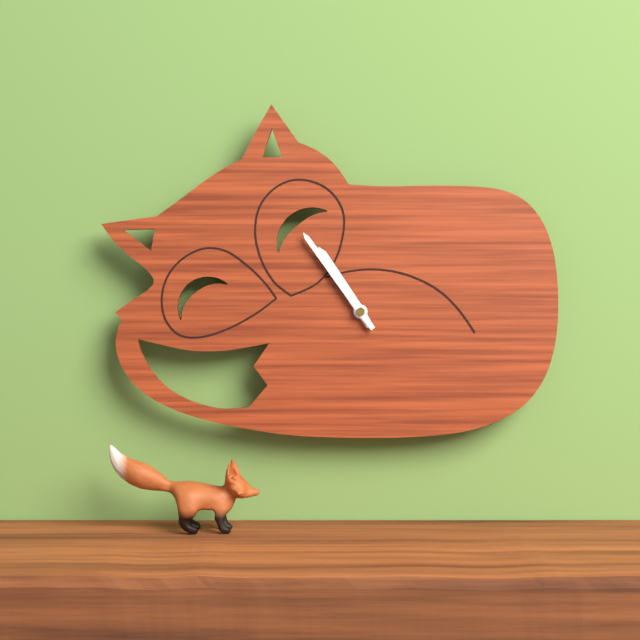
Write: 10 h 54 min
